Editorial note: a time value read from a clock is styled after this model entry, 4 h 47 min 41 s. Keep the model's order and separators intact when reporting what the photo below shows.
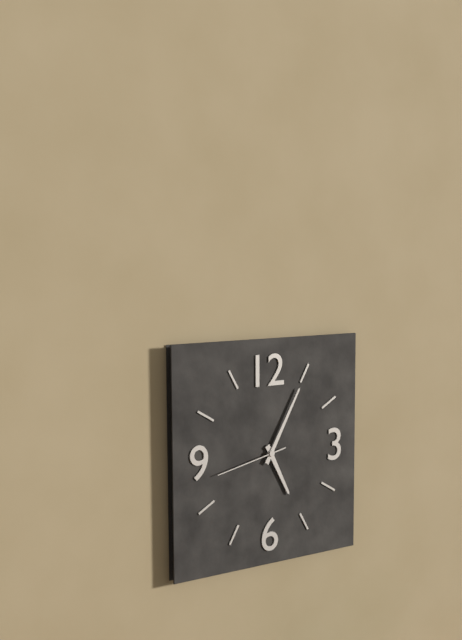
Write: 5 h 05 min 43 s
